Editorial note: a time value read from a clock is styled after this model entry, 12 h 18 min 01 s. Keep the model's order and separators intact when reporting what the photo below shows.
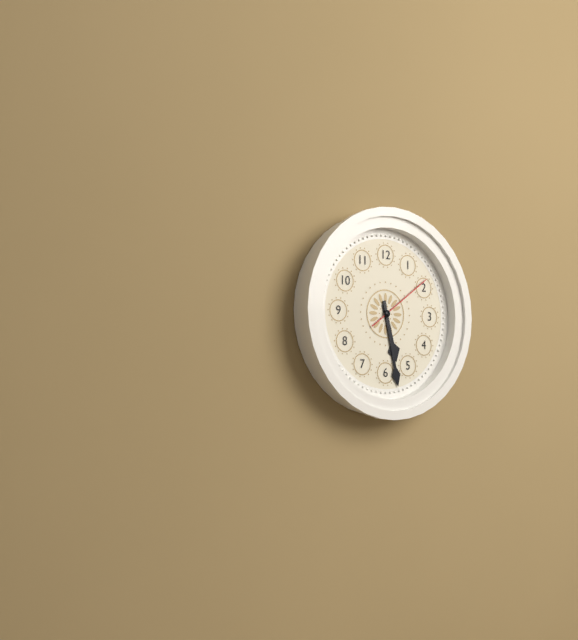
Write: 5 h 28 min 09 s
